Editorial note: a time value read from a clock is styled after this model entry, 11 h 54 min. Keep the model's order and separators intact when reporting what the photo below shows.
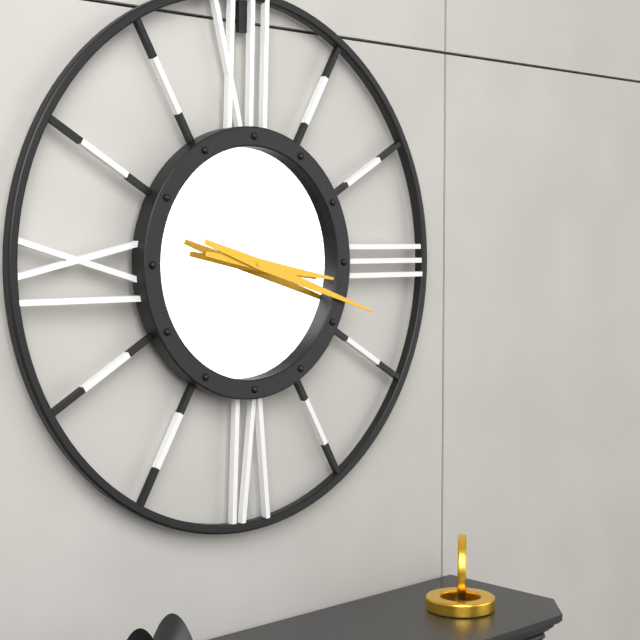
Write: 3 h 18 min
